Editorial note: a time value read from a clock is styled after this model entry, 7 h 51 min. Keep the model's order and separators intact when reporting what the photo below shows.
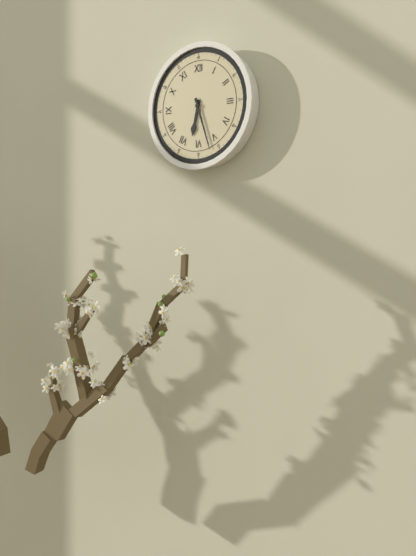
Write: 6 h 27 min
